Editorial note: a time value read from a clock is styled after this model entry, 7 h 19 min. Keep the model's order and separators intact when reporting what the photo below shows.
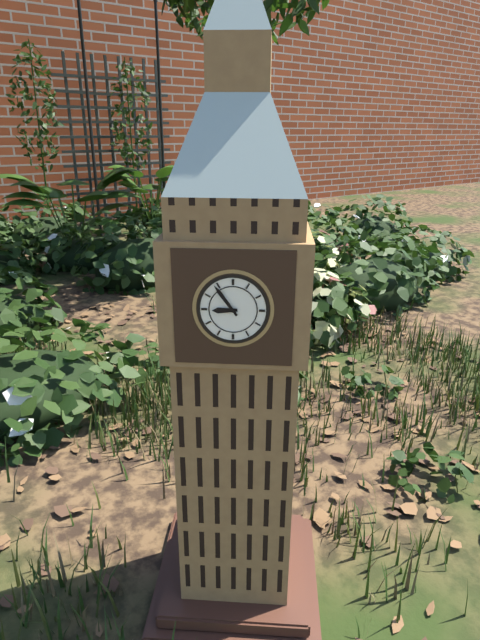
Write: 8 h 54 min
